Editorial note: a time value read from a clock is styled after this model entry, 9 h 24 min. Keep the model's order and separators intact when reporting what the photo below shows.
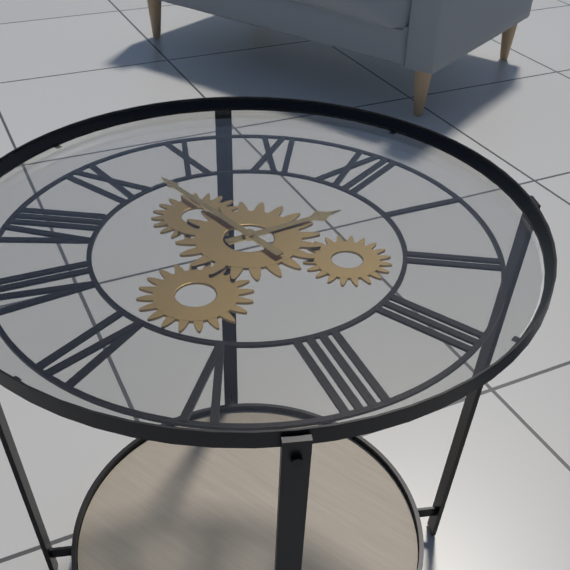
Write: 12 h 47 min
